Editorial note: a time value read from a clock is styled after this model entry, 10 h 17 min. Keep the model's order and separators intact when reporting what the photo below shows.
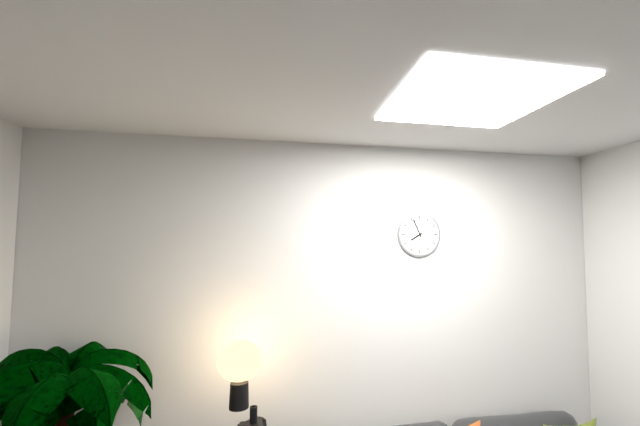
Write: 7 h 56 min
